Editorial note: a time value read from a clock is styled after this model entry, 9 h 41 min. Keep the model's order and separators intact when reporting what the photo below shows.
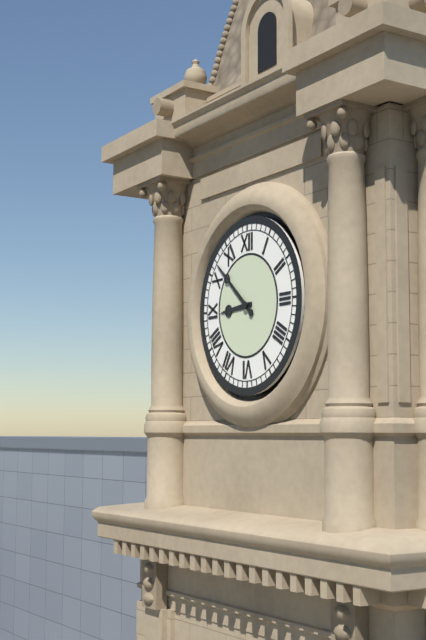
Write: 8 h 52 min
